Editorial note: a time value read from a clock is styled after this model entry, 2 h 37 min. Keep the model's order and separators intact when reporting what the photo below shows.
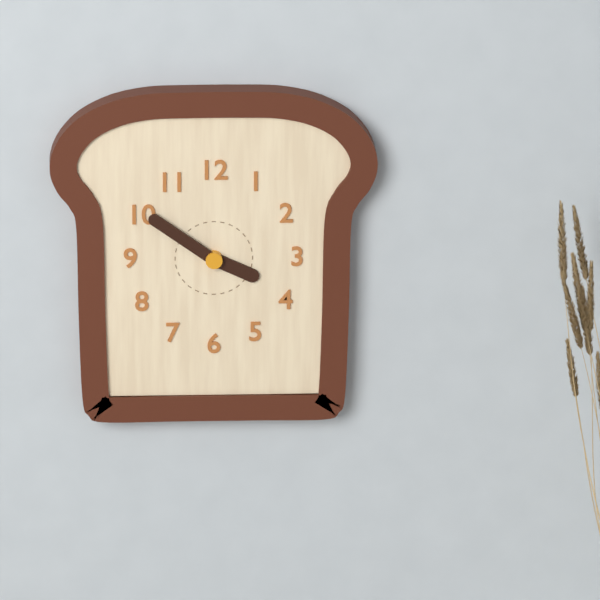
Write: 3 h 51 min
